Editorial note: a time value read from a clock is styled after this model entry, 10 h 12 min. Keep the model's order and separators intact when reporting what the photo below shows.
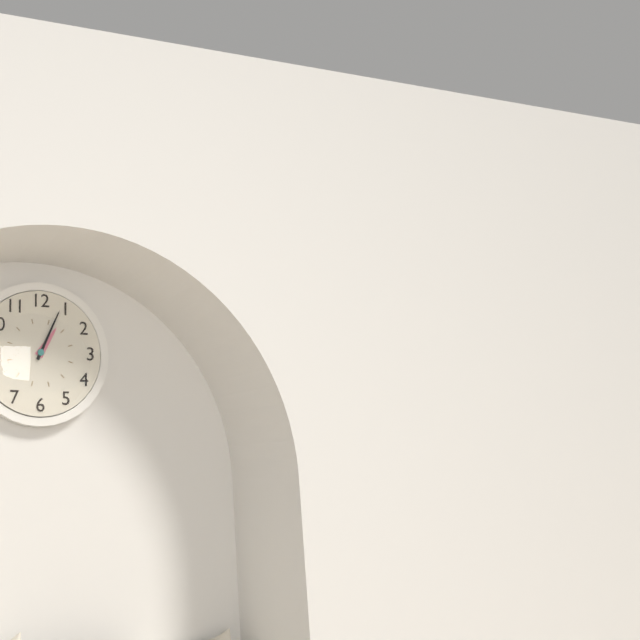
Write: 1 h 04 min
